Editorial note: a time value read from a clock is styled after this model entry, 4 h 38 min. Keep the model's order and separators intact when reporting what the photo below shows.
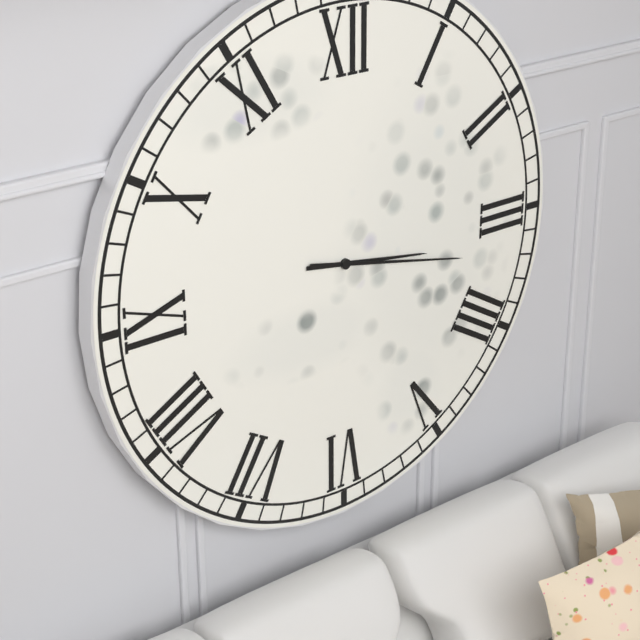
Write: 3 h 17 min
